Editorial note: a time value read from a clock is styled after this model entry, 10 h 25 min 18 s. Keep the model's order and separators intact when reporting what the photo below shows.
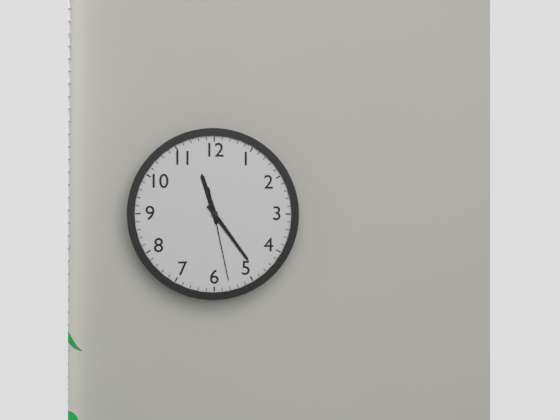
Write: 11 h 24 min 28 s
